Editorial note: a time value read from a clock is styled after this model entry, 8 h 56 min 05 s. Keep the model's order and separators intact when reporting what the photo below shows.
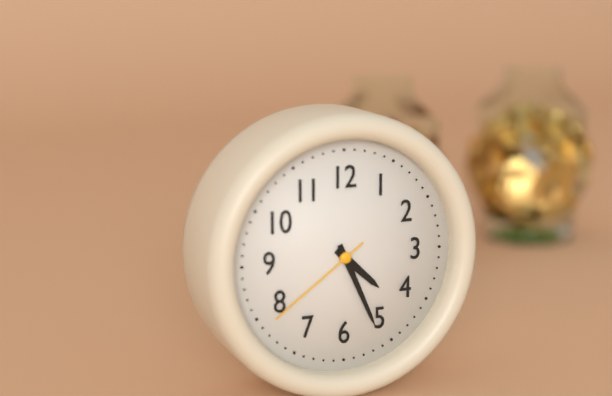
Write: 4 h 26 min 39 s
